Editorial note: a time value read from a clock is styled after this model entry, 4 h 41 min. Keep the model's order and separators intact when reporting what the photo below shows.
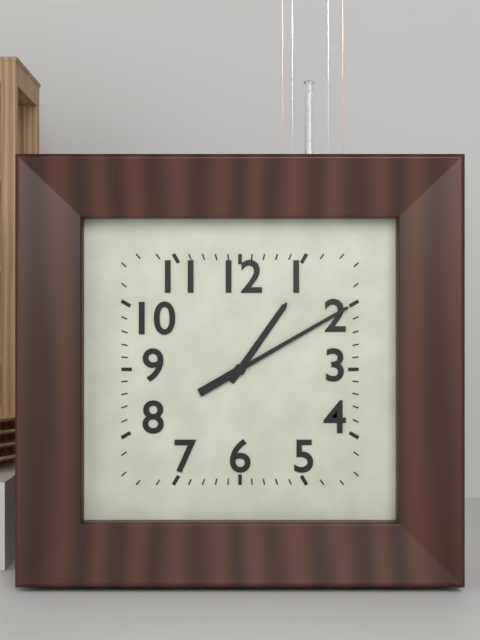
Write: 1 h 10 min
